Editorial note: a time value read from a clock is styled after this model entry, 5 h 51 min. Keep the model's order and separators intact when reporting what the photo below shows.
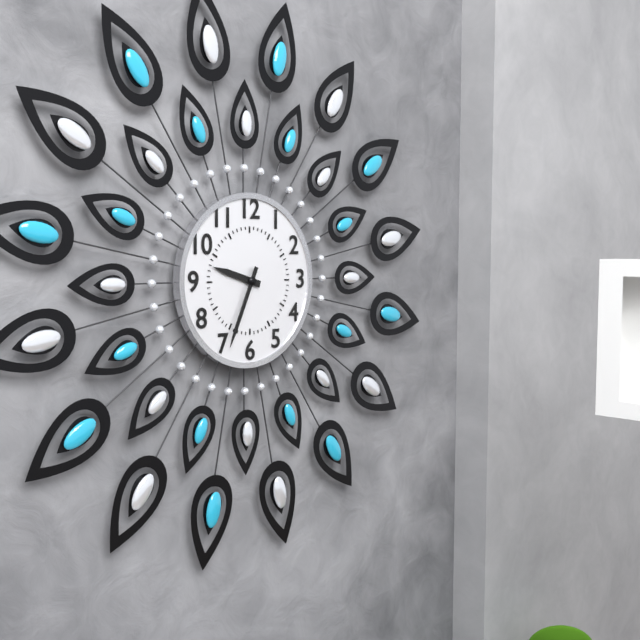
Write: 9 h 34 min
